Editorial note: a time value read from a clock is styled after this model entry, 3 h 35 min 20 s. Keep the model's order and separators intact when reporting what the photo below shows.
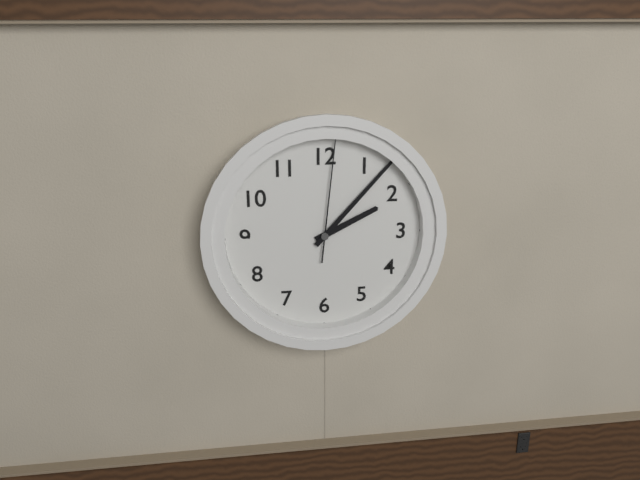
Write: 2 h 07 min 01 s
